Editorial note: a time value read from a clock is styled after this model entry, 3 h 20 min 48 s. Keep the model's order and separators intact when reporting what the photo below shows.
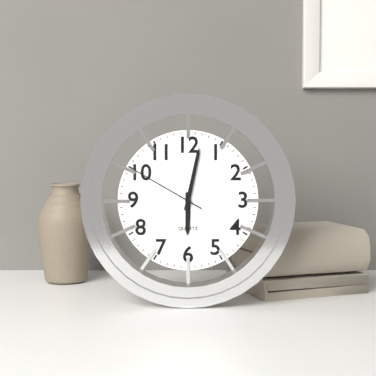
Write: 6 h 02 min 50 s
